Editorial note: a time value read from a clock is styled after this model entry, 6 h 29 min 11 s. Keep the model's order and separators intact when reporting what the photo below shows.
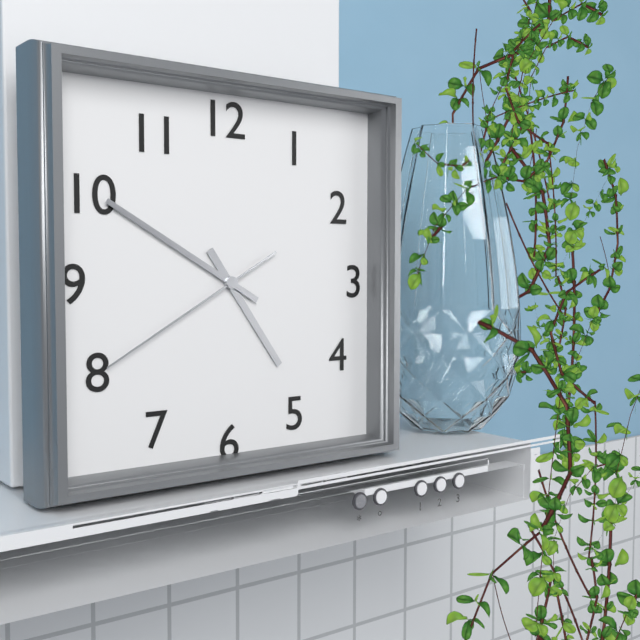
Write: 4 h 50 min 40 s
